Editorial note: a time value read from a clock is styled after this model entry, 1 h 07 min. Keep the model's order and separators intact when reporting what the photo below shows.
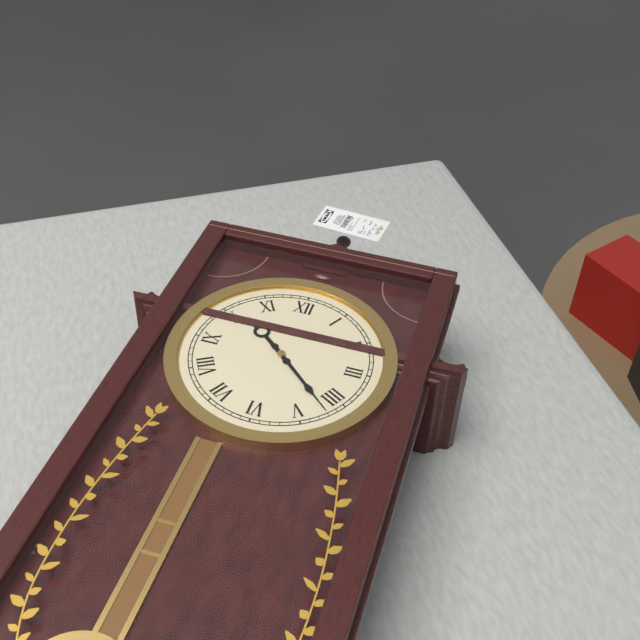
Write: 10 h 22 min
